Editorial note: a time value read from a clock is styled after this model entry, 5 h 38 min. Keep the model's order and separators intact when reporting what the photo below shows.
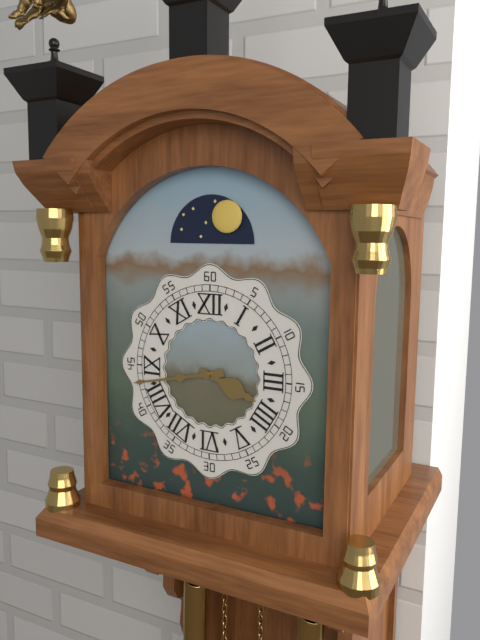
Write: 3 h 43 min
